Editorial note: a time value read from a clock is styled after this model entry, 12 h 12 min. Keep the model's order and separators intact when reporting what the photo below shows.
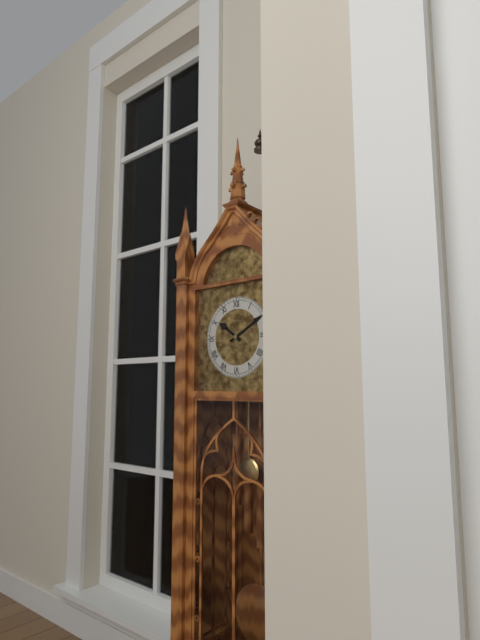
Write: 10 h 10 min
